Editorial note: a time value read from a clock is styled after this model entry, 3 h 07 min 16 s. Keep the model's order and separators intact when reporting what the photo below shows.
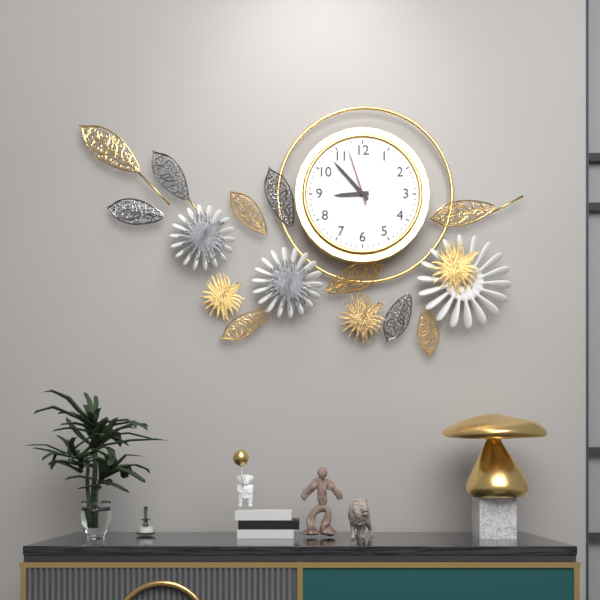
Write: 8 h 53 min 57 s
